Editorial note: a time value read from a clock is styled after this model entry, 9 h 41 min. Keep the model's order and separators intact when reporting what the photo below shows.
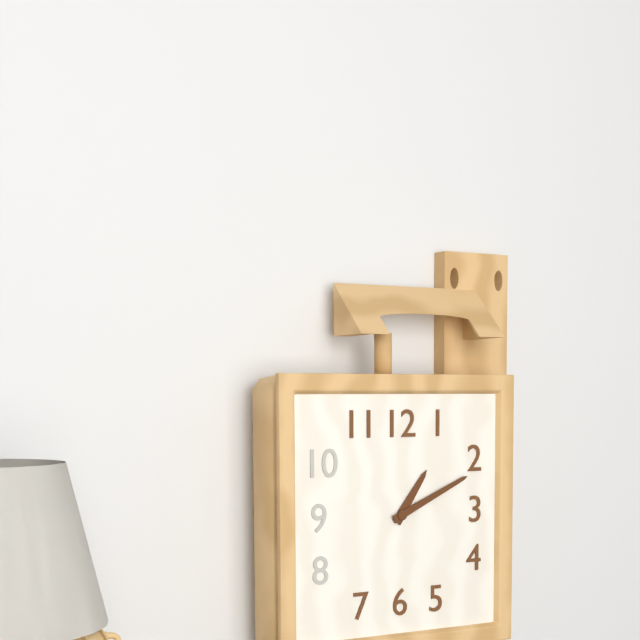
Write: 1 h 11 min
